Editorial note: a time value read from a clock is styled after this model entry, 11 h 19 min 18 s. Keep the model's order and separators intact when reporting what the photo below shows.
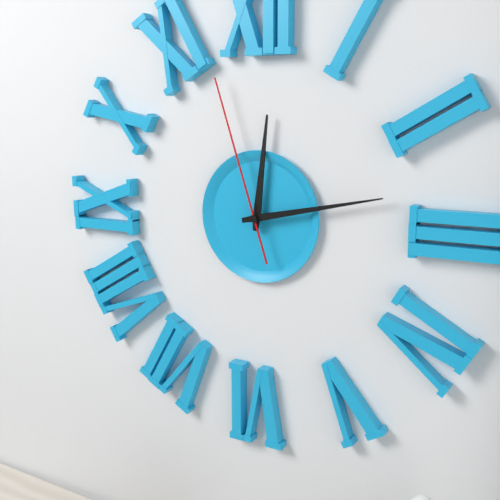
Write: 12 h 13 min 57 s
